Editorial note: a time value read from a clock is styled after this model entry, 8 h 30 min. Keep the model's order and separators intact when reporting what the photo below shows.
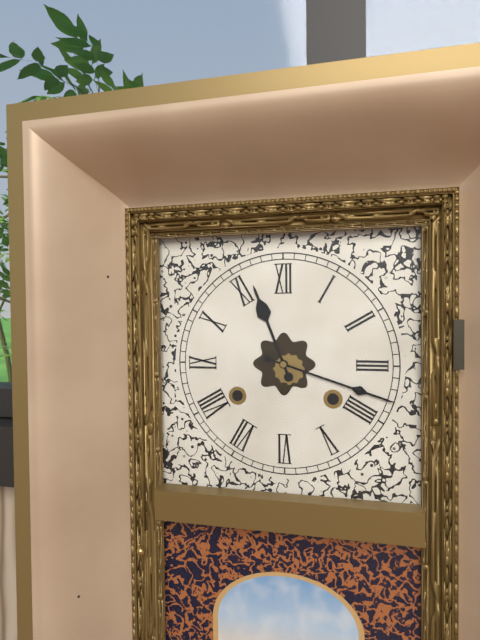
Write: 11 h 18 min
